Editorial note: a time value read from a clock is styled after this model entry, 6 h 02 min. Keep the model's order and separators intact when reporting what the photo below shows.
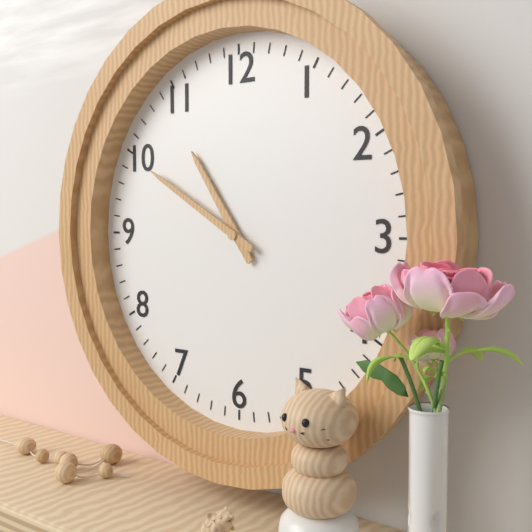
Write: 10 h 50 min
